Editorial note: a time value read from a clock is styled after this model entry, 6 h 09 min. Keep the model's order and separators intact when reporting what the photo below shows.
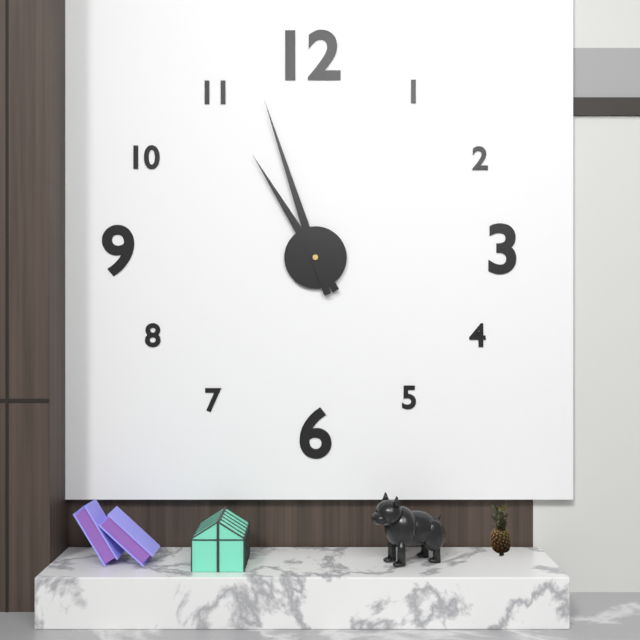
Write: 10 h 57 min
